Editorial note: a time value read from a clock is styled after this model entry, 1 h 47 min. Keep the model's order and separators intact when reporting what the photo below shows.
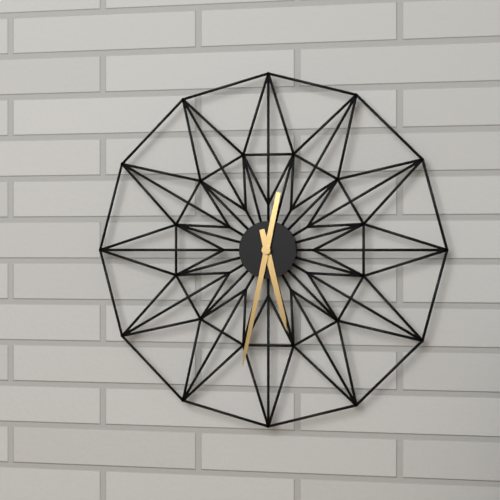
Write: 5 h 32 min
